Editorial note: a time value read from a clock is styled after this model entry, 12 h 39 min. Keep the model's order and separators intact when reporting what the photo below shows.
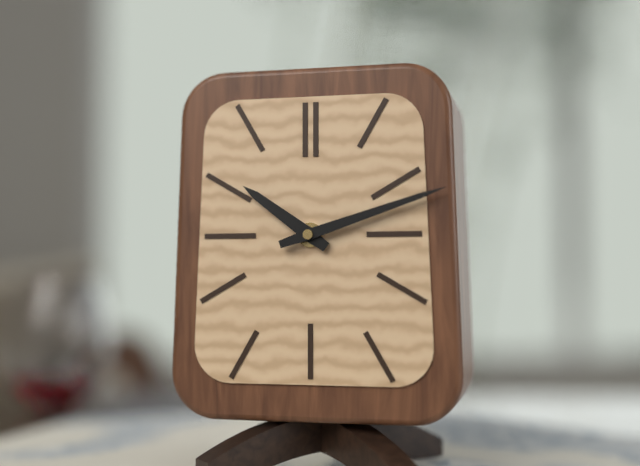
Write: 10 h 12 min
